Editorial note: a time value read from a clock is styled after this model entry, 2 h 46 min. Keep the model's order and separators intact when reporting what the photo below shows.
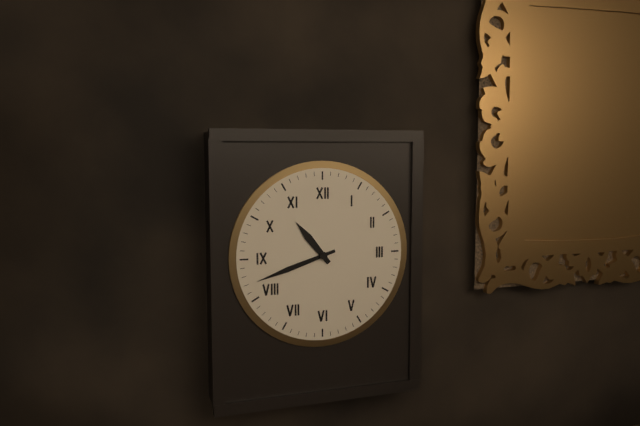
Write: 10 h 42 min
